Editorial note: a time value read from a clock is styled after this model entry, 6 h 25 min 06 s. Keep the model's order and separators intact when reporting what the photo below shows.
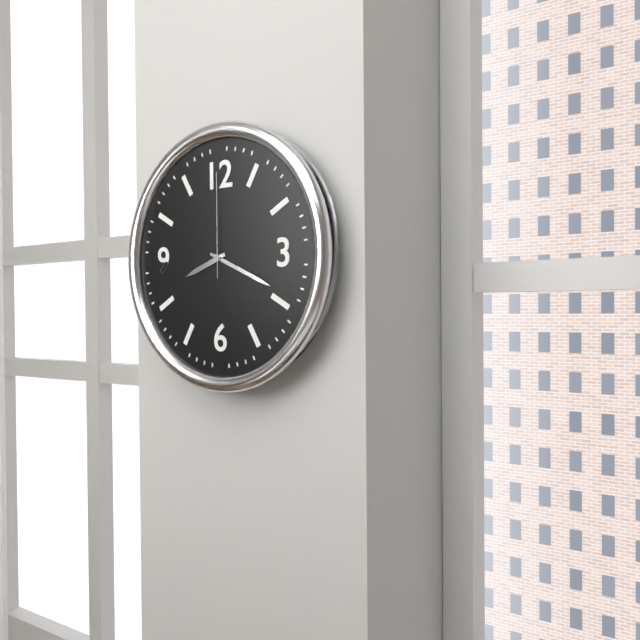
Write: 8 h 19 min 00 s
